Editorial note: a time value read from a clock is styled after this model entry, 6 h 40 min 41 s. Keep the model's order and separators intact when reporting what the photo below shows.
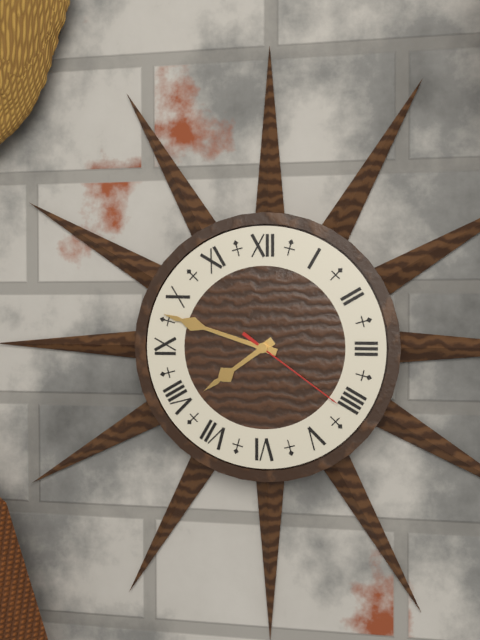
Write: 7 h 48 min 21 s
